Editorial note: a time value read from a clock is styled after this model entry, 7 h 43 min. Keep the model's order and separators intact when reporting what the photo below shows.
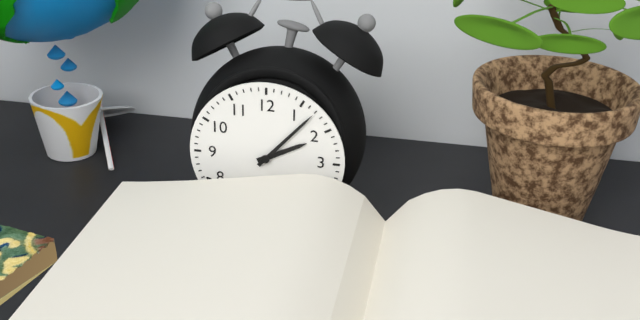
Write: 2 h 07 min
